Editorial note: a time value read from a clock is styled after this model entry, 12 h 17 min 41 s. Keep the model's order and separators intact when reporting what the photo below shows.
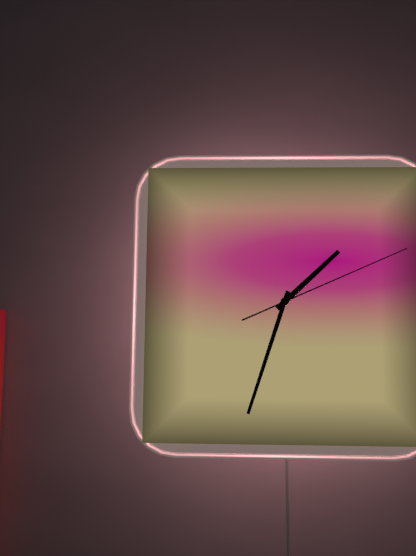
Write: 1 h 33 min 11 s
